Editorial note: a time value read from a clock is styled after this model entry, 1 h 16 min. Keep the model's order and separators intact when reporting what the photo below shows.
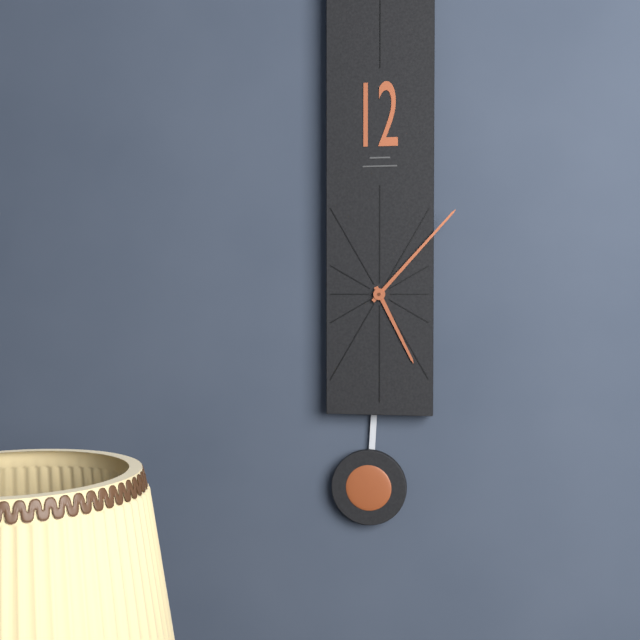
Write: 5 h 07 min
